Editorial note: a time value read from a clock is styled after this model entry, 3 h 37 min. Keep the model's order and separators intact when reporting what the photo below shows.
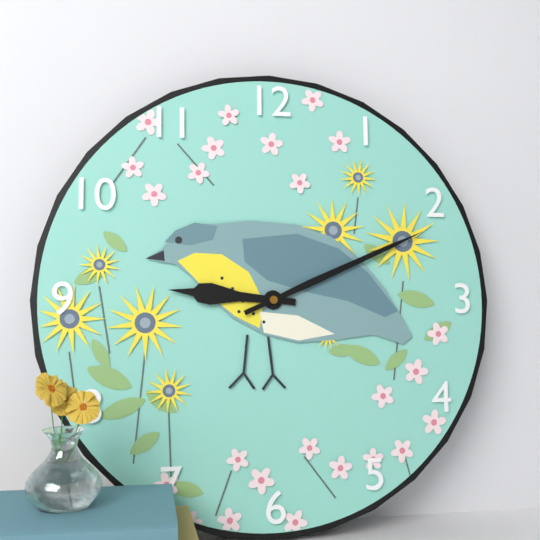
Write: 9 h 11 min
